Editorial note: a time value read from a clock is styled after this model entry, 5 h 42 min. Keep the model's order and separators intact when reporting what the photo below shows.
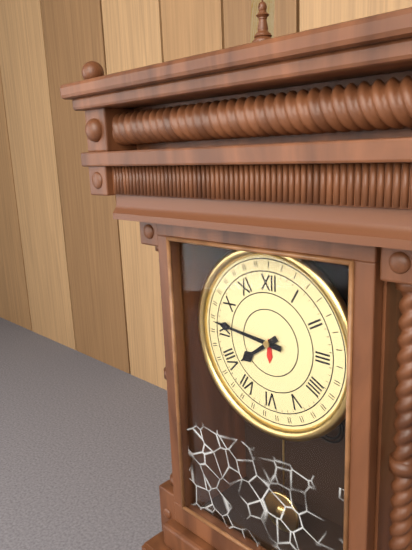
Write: 7 h 46 min
